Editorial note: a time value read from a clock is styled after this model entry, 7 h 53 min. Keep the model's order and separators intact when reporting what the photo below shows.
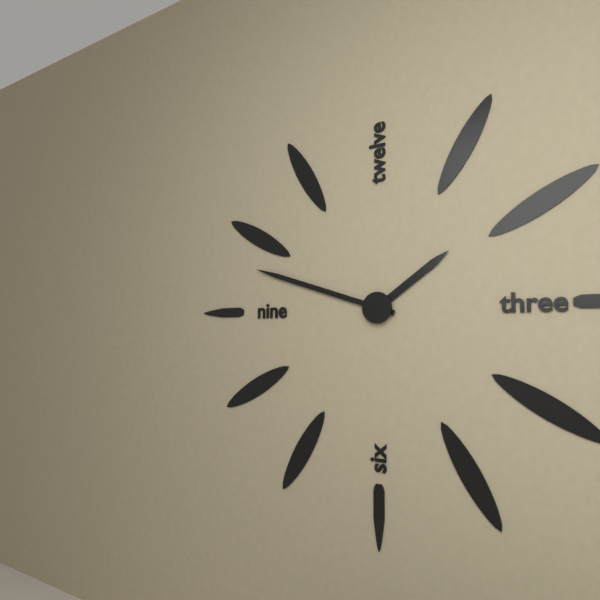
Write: 1 h 48 min
